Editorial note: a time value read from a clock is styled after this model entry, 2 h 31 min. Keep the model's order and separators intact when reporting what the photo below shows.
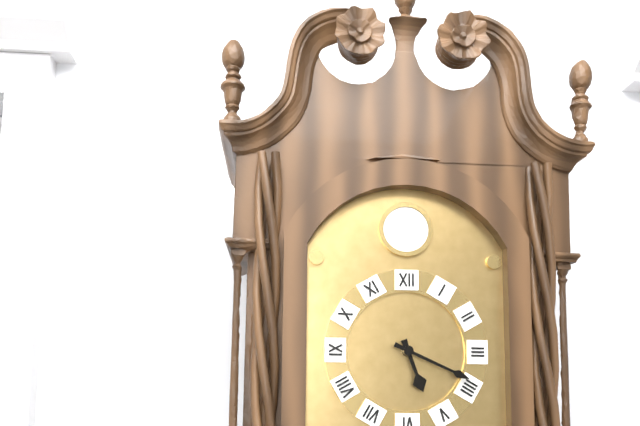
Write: 5 h 19 min
